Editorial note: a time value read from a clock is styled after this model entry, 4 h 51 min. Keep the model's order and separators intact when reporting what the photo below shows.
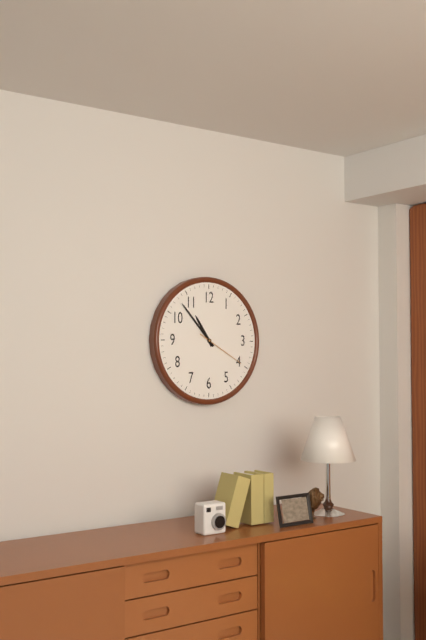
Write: 10 h 53 min
